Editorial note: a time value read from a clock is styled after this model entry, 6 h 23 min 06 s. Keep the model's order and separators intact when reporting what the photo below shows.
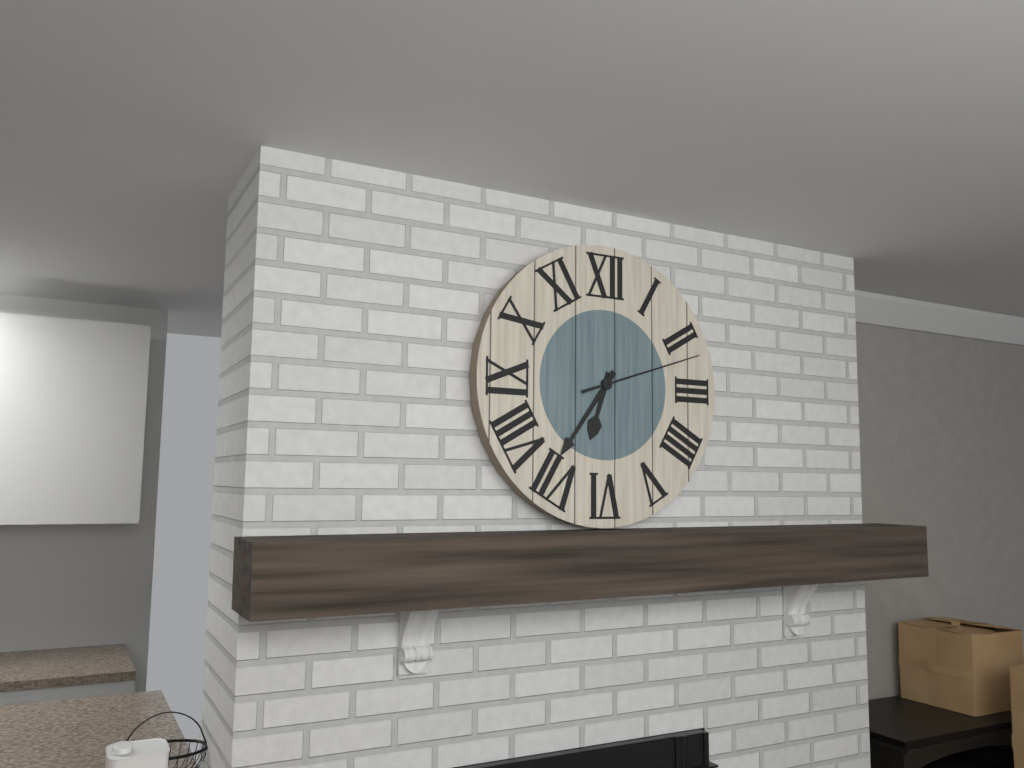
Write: 6 h 36 min 12 s
